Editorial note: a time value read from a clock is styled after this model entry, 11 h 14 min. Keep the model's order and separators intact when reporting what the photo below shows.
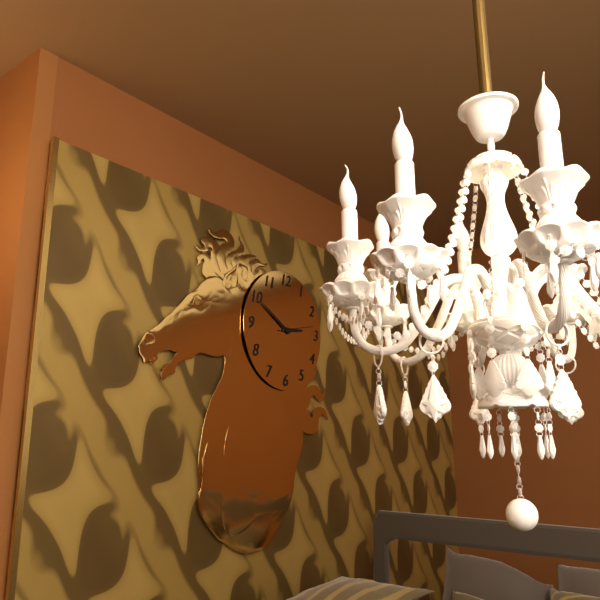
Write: 2 h 50 min
